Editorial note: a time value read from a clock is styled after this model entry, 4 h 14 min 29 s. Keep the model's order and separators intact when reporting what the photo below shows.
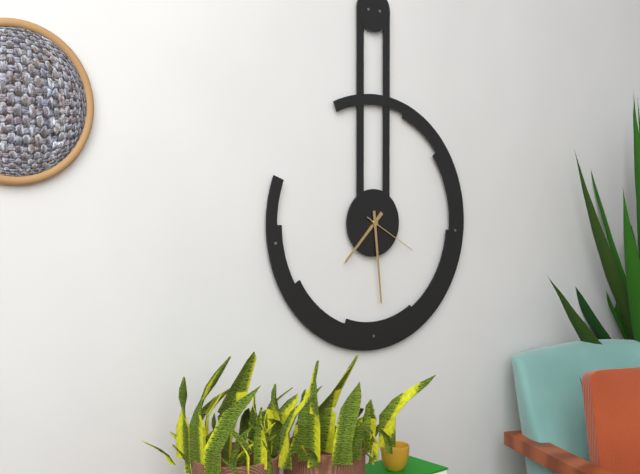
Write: 7 h 29 min 20 s
